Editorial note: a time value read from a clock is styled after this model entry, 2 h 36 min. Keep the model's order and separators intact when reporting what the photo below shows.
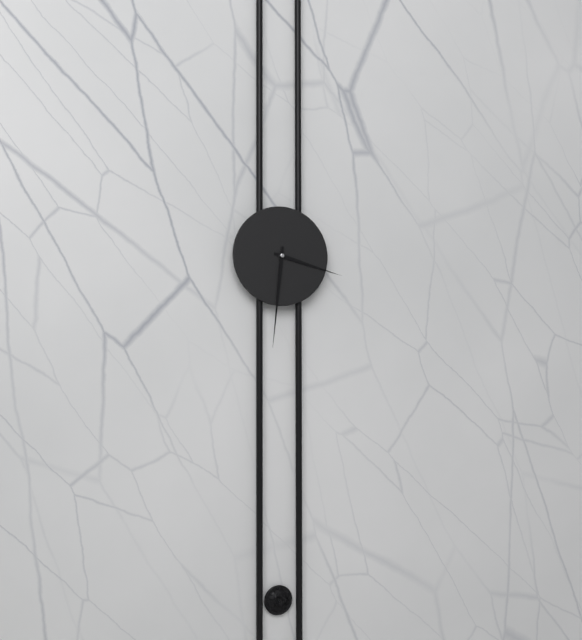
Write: 3 h 31 min
